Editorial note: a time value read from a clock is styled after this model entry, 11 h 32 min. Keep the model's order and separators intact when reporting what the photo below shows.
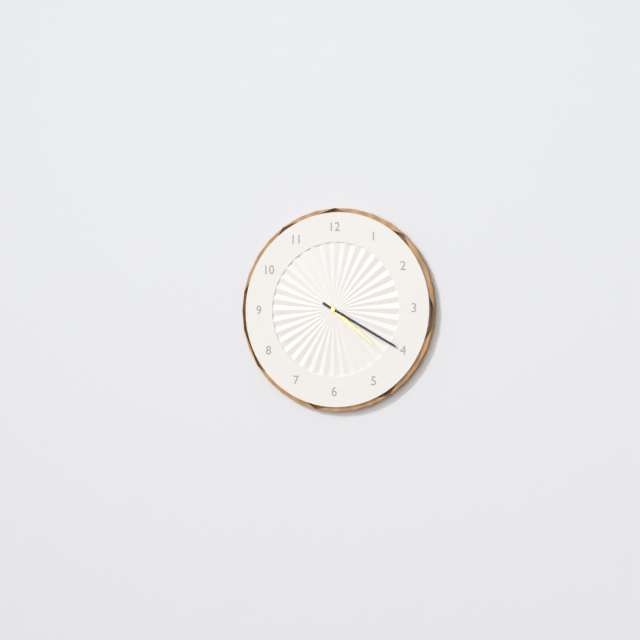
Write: 4 h 20 min
